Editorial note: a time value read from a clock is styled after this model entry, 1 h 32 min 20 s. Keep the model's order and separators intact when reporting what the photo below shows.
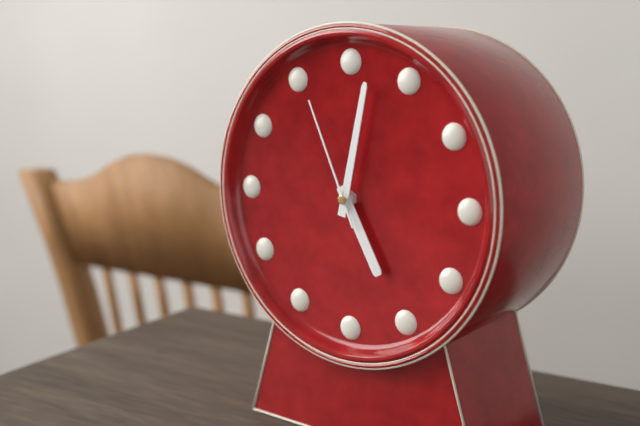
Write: 5 h 02 min 56 s
